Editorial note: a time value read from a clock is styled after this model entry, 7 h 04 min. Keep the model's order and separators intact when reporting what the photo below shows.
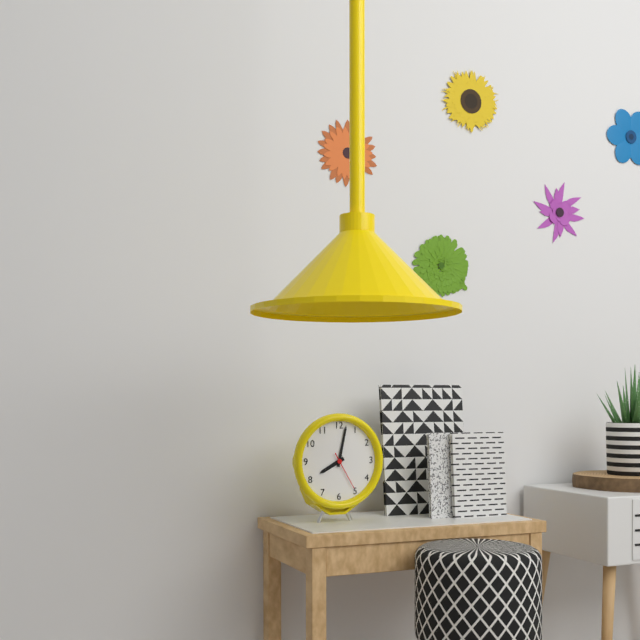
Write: 8 h 02 min
